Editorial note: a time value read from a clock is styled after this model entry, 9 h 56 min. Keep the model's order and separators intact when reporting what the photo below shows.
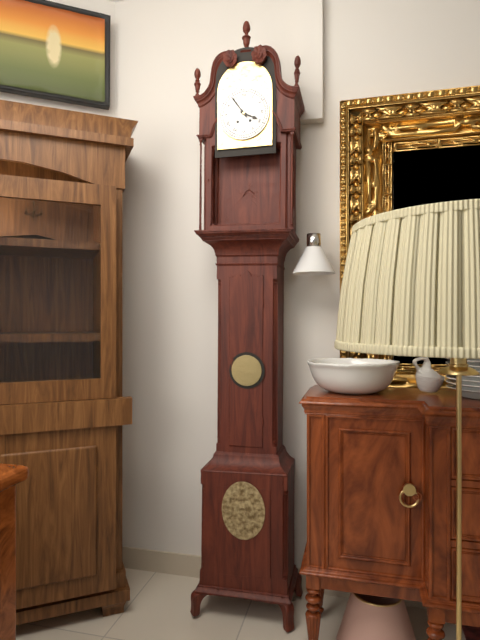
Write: 3 h 54 min
